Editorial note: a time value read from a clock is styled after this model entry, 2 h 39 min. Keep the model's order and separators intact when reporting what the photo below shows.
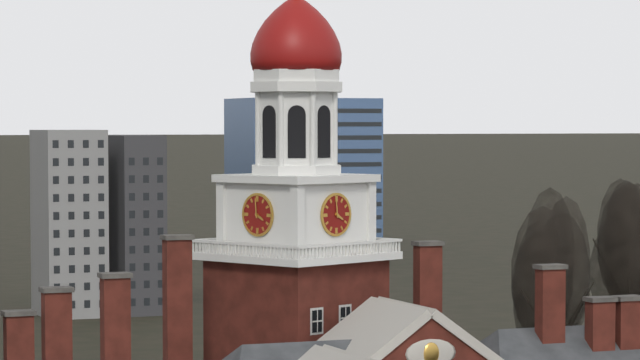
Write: 3 h 59 min
